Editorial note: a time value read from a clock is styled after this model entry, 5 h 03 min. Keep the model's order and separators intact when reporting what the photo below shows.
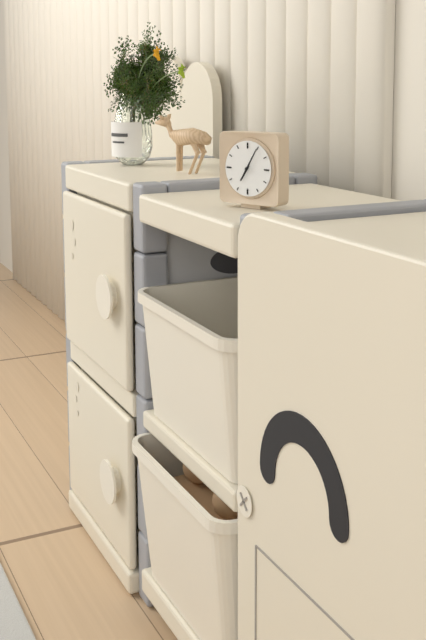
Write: 7 h 05 min
